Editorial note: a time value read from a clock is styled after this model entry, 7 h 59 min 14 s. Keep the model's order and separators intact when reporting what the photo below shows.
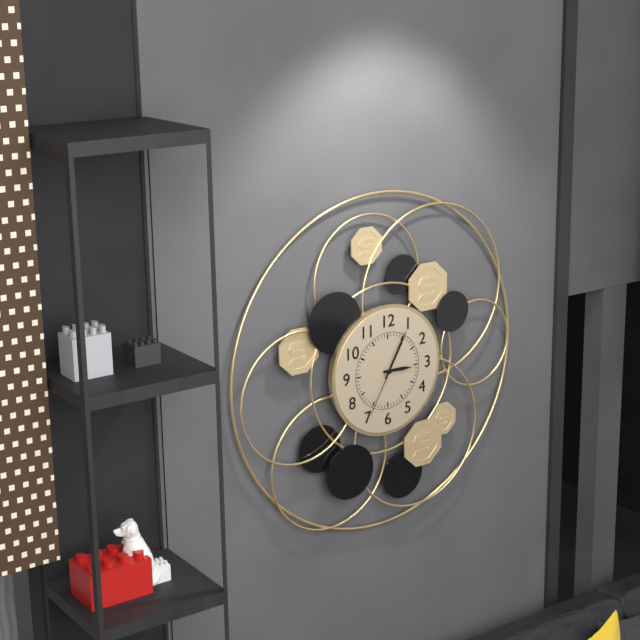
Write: 3 h 05 min 35 s
